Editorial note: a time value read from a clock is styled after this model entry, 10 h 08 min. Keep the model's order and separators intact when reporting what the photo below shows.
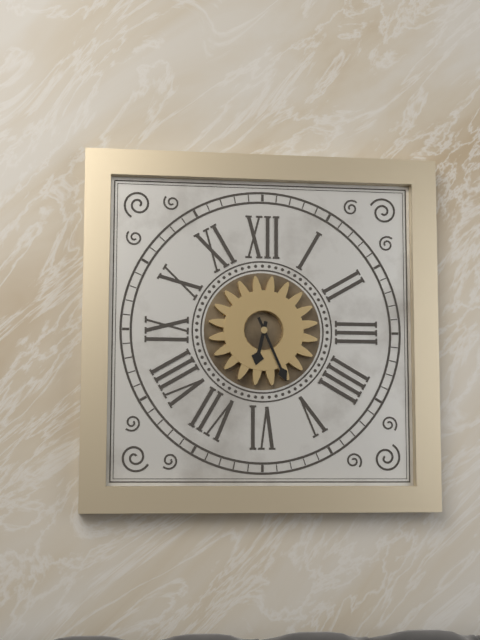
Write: 6 h 26 min
